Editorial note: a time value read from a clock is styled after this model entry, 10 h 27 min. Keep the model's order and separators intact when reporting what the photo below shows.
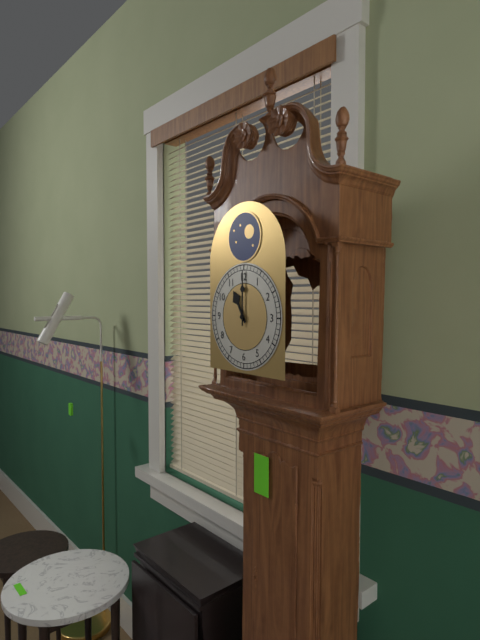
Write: 11 h 00 min
